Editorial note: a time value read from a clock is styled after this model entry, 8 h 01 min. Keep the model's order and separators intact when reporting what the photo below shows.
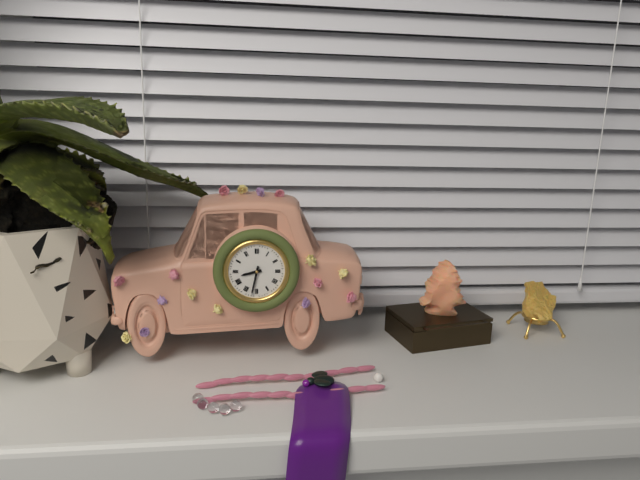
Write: 8 h 32 min
